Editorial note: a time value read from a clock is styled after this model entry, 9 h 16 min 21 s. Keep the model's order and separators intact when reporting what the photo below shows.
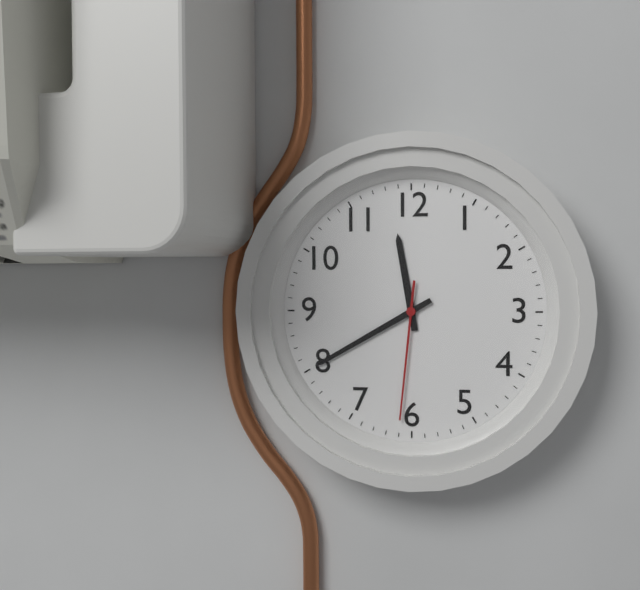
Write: 11 h 40 min 31 s
